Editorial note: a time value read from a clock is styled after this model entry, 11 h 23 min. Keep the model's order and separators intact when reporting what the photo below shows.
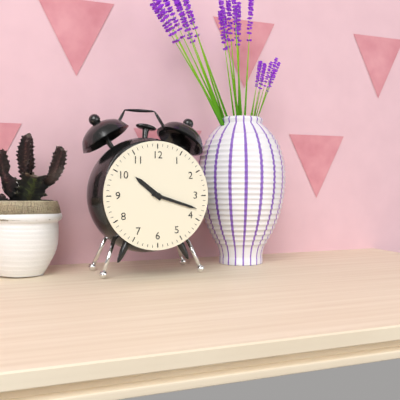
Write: 10 h 18 min
